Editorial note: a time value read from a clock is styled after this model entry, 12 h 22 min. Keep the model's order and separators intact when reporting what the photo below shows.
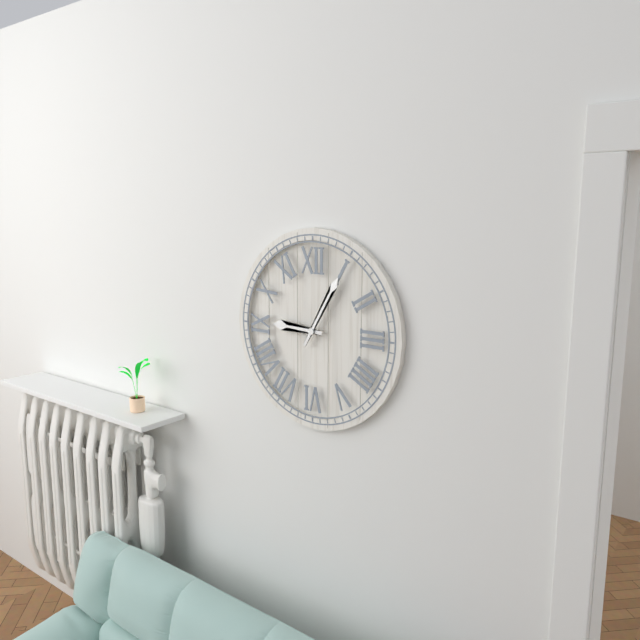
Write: 9 h 05 min
